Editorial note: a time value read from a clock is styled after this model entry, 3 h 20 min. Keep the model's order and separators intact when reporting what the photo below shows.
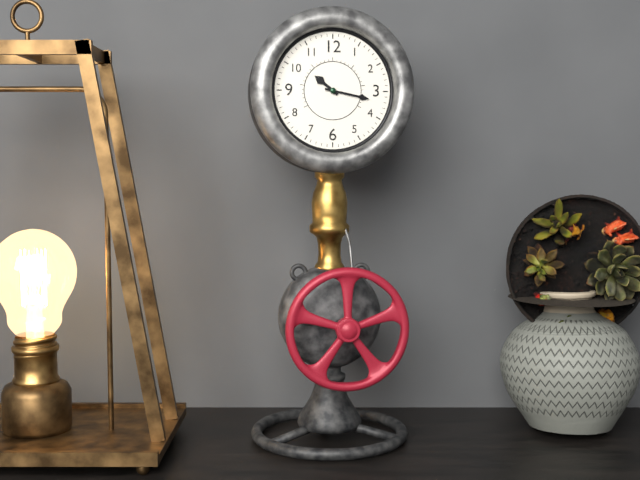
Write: 10 h 17 min
